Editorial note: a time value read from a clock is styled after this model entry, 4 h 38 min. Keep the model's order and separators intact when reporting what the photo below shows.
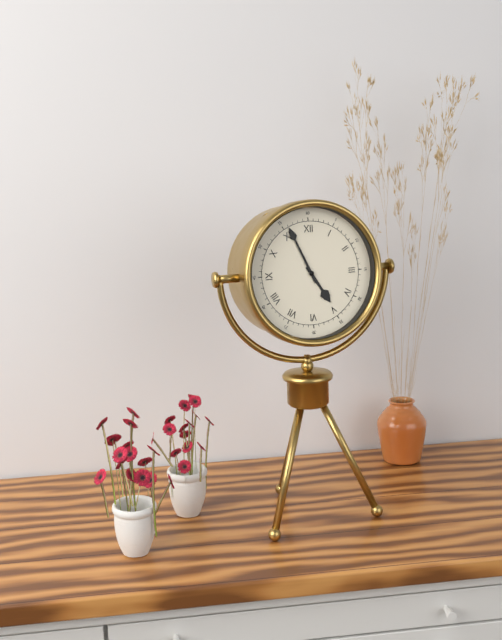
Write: 4 h 56 min
